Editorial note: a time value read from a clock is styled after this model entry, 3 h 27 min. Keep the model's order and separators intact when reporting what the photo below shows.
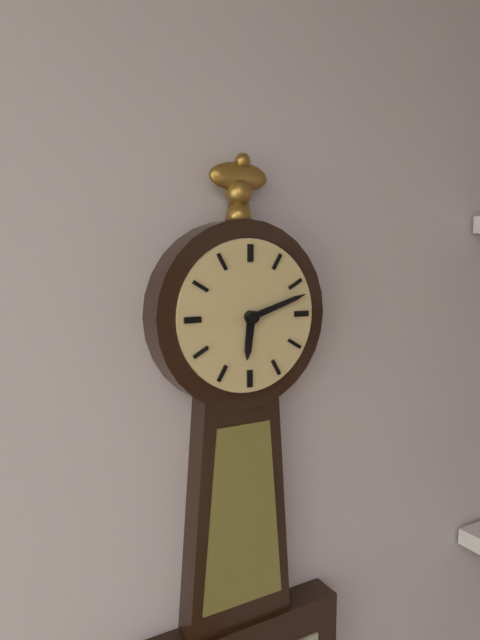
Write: 6 h 12 min
